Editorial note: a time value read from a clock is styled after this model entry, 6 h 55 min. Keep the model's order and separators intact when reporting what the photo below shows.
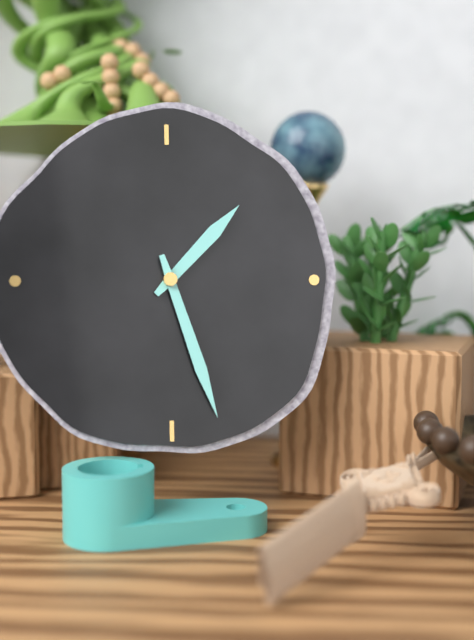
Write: 1 h 27 min
